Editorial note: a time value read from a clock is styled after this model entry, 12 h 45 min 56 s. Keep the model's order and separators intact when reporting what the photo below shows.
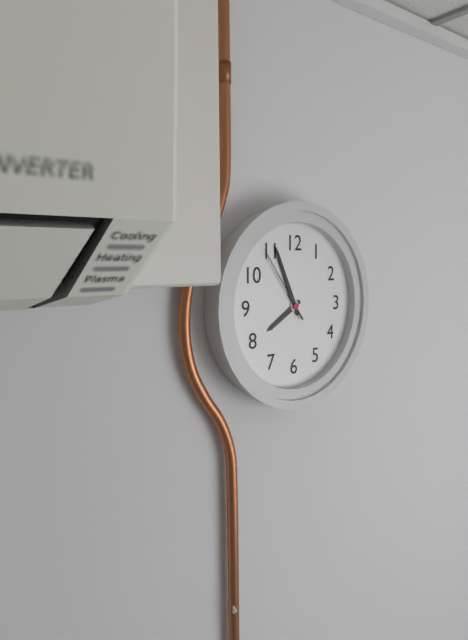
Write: 7 h 56 min 54 s
